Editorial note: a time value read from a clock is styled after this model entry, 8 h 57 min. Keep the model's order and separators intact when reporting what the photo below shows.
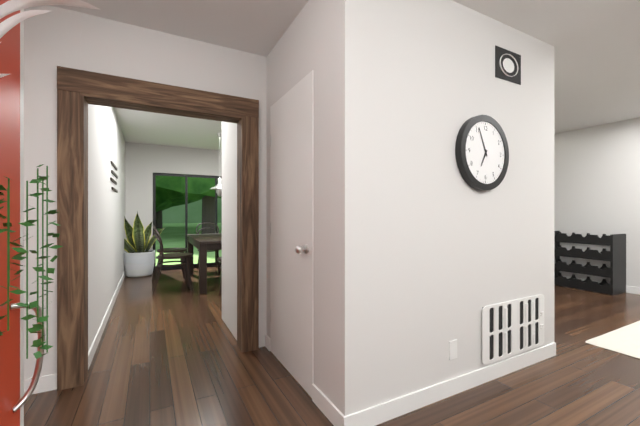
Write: 6 h 56 min
